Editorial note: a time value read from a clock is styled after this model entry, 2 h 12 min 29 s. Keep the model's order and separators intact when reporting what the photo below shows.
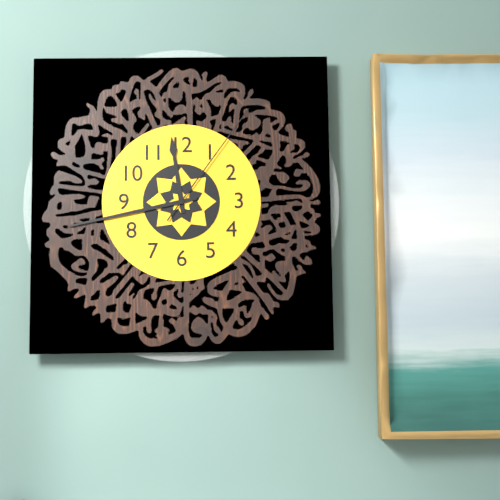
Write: 11 h 43 min 06 s
